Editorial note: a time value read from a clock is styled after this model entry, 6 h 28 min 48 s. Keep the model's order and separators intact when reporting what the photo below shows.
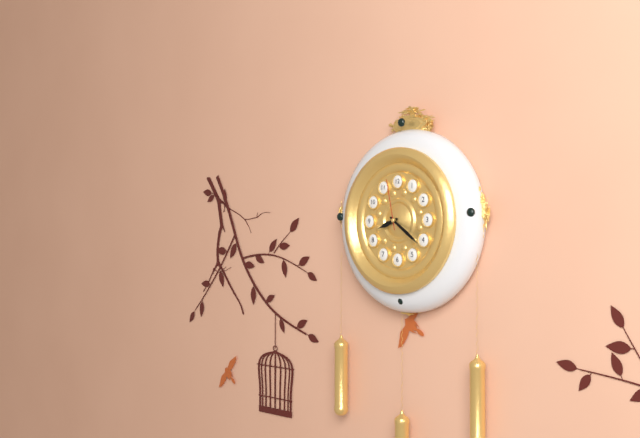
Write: 8 h 21 min 58 s
